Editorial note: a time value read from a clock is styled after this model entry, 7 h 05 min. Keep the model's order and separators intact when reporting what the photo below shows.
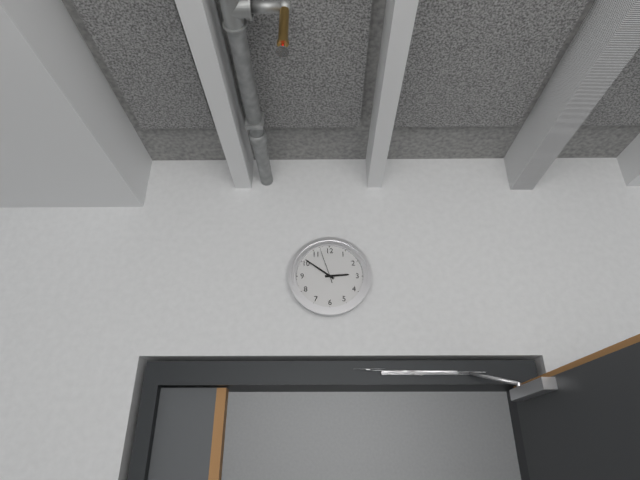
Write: 2 h 51 min
